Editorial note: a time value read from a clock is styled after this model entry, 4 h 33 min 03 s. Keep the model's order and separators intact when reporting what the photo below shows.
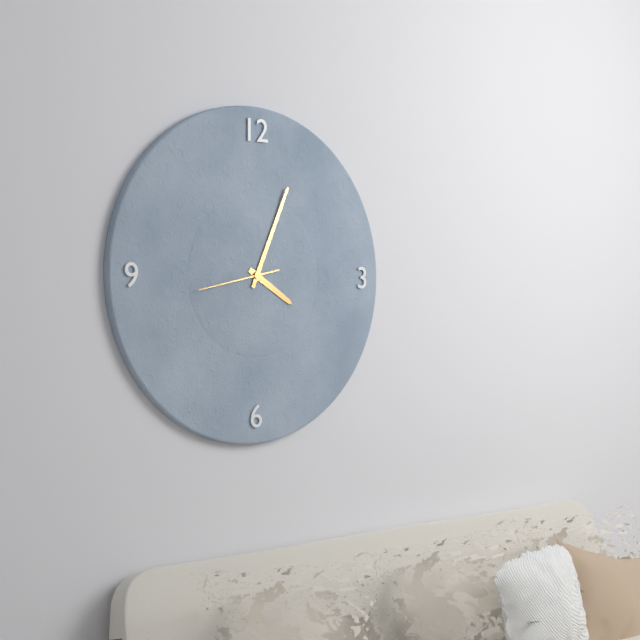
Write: 4 h 04 min 43 s
